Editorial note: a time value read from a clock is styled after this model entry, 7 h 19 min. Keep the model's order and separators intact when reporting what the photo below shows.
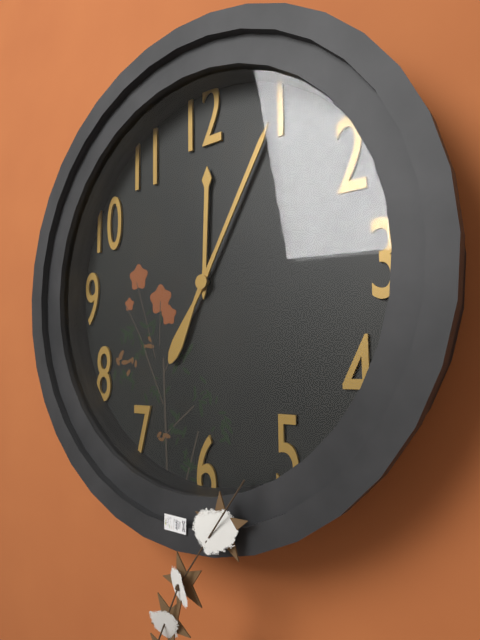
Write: 12 h 05 min
